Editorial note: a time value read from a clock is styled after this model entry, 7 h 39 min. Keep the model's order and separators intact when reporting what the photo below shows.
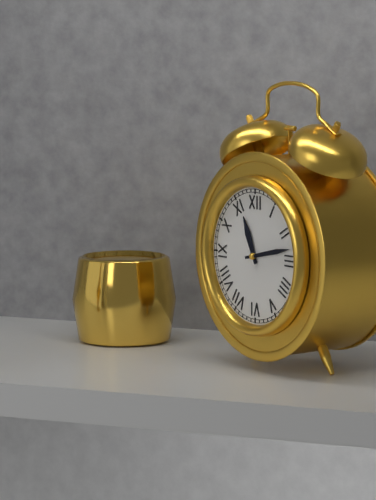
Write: 11 h 13 min
